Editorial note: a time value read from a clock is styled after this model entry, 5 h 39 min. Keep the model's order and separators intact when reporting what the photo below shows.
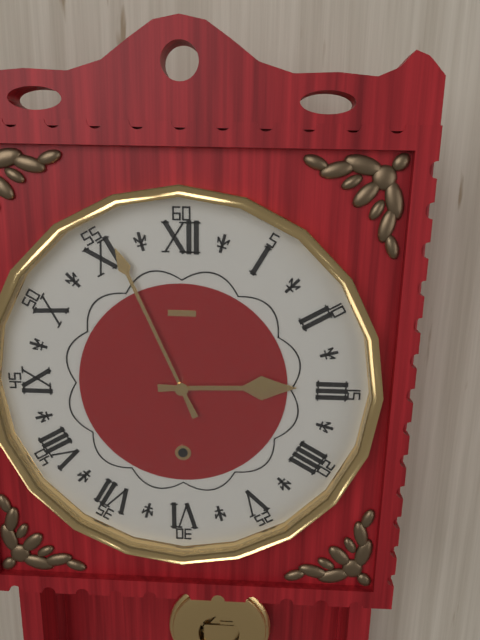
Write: 2 h 56 min
